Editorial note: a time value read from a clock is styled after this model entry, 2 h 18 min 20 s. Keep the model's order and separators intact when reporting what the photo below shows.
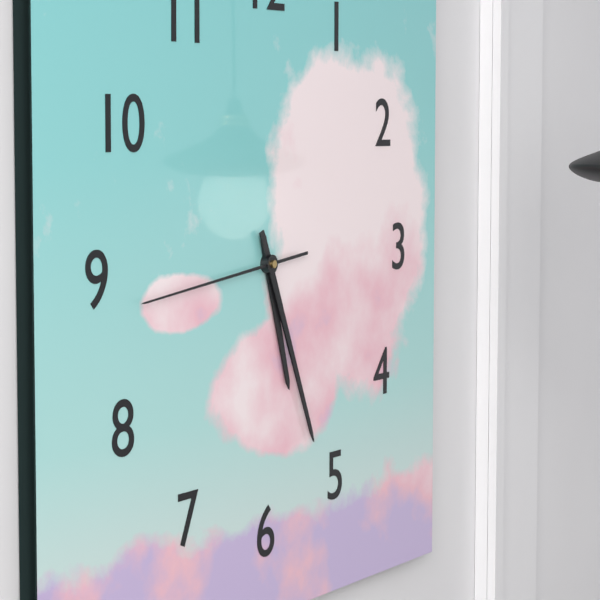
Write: 5 h 26 min 44 s
